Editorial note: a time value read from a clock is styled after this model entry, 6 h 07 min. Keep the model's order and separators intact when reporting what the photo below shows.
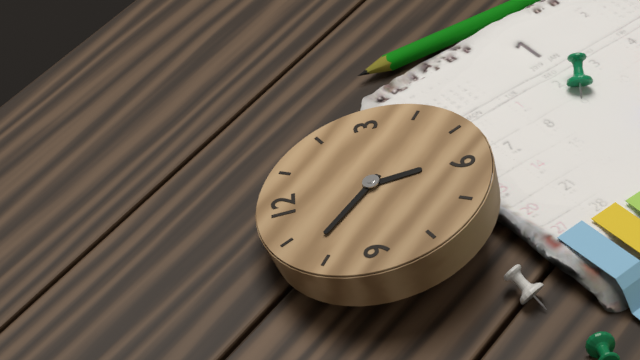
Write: 5 h 52 min
